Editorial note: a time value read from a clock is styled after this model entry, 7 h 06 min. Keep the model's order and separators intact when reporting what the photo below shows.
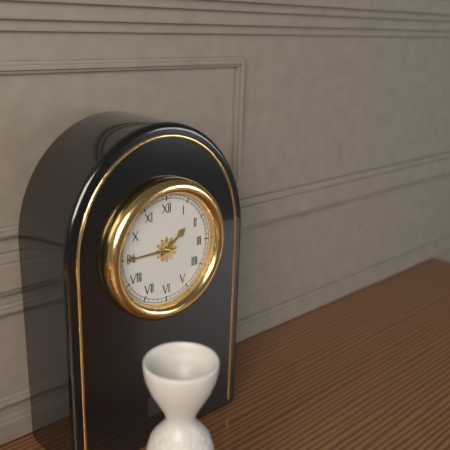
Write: 1 h 45 min
